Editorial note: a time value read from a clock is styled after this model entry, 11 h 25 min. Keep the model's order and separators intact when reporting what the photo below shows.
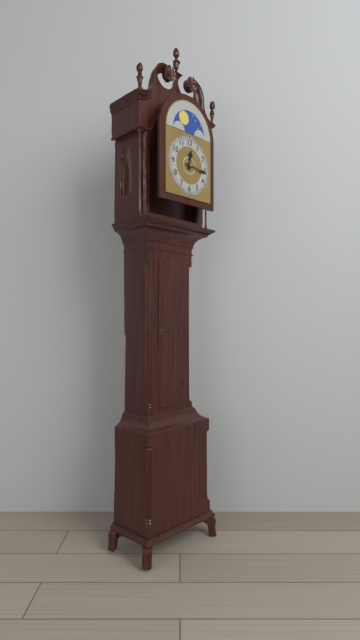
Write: 12 h 16 min
